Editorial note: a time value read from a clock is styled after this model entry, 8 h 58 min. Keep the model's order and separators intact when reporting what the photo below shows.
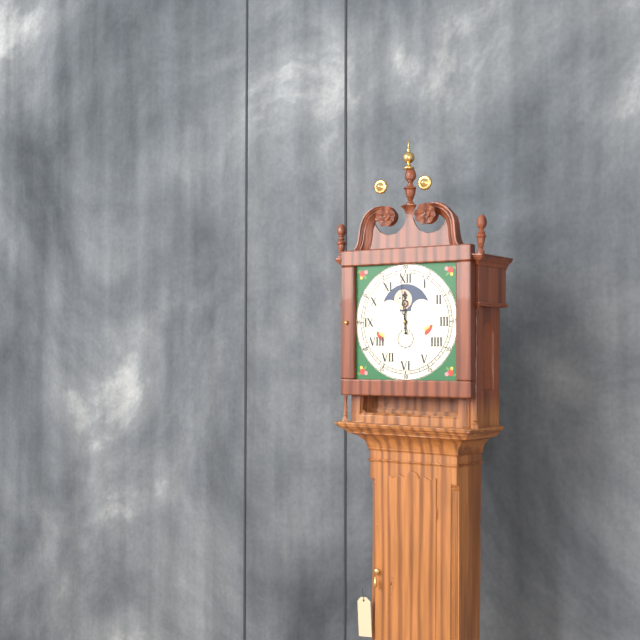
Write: 11 h 59 min
